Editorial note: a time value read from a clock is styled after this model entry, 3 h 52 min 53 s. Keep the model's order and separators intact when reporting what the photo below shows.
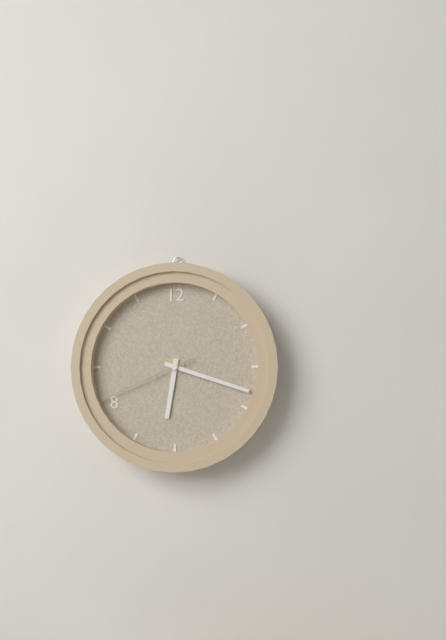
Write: 6 h 18 min 41 s
